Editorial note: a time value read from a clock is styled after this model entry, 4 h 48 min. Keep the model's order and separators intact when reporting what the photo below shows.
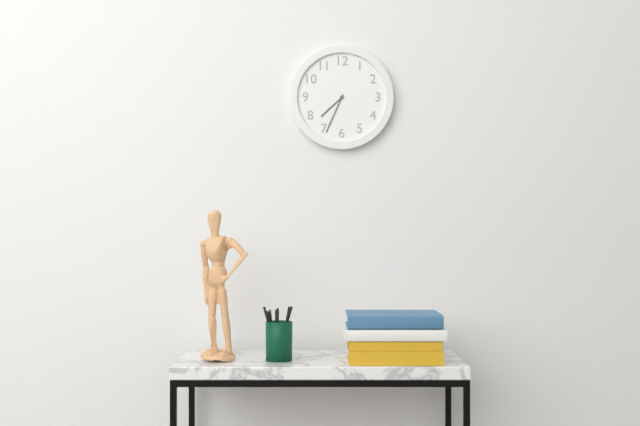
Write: 7 h 34 min
